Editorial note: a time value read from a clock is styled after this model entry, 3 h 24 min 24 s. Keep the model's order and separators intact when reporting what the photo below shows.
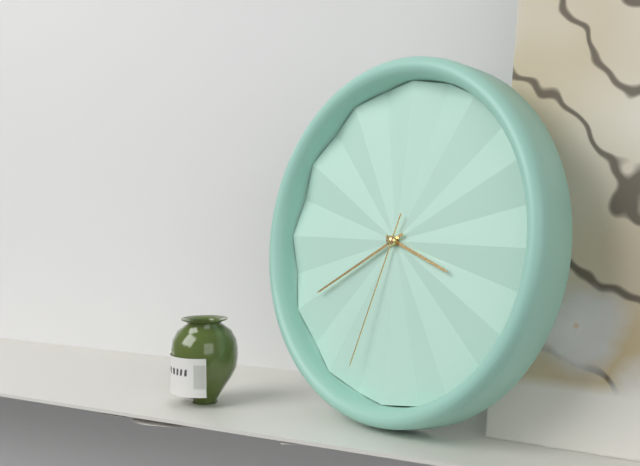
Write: 3 h 40 min 33 s
